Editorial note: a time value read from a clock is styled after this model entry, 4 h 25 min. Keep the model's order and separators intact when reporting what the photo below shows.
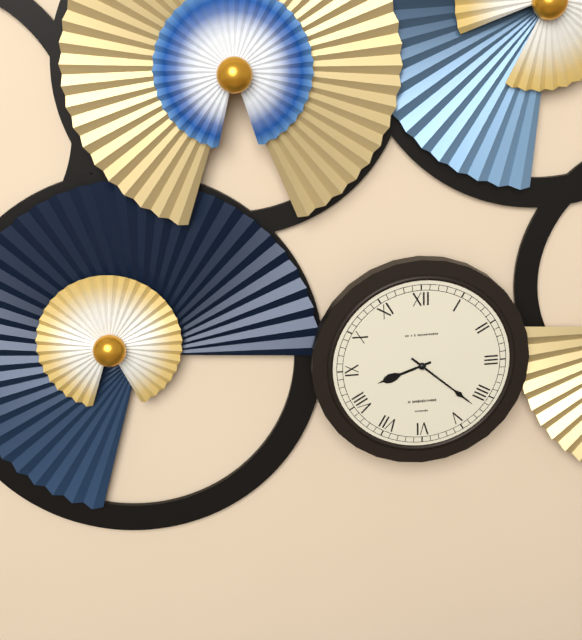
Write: 8 h 22 min
